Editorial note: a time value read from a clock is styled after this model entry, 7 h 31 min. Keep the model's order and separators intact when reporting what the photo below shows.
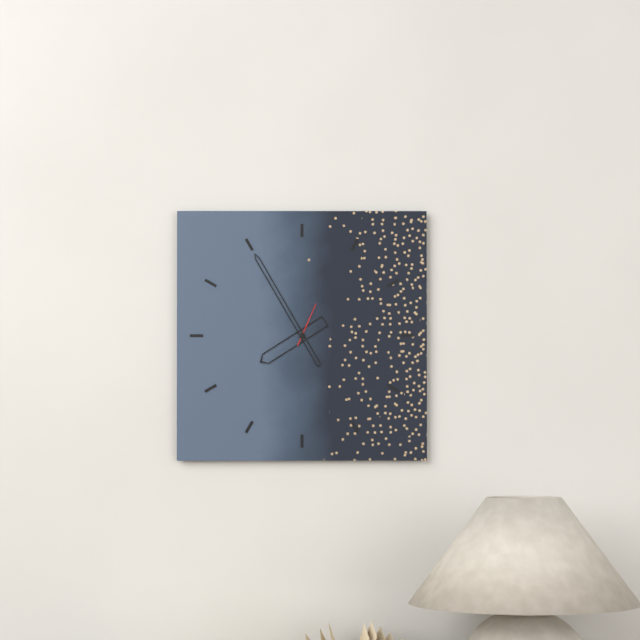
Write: 7 h 55 min
